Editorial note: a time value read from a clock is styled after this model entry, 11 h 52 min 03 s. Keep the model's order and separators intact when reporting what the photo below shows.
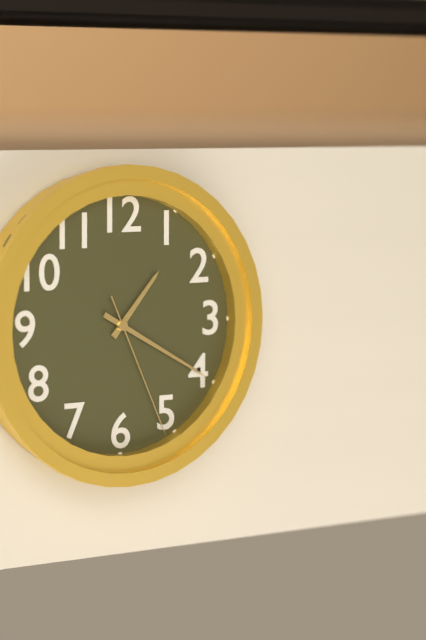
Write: 1 h 20 min 26 s
